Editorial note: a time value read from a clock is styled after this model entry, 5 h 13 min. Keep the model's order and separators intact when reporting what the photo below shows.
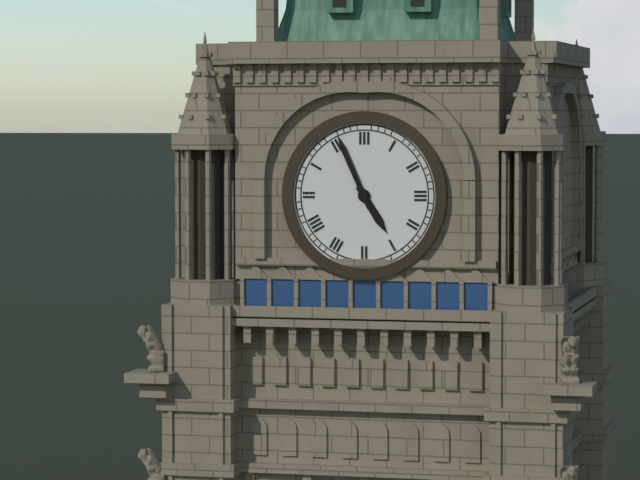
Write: 4 h 56 min
